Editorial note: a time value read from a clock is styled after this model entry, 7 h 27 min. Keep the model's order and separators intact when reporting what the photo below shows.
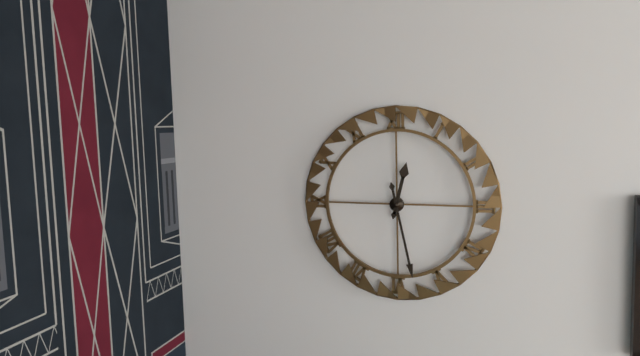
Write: 12 h 28 min
